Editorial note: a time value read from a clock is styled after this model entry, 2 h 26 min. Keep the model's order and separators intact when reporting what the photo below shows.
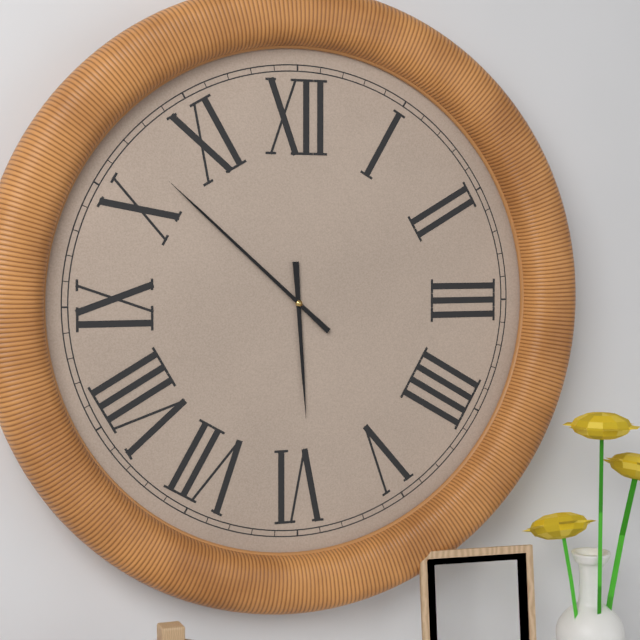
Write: 5 h 52 min
